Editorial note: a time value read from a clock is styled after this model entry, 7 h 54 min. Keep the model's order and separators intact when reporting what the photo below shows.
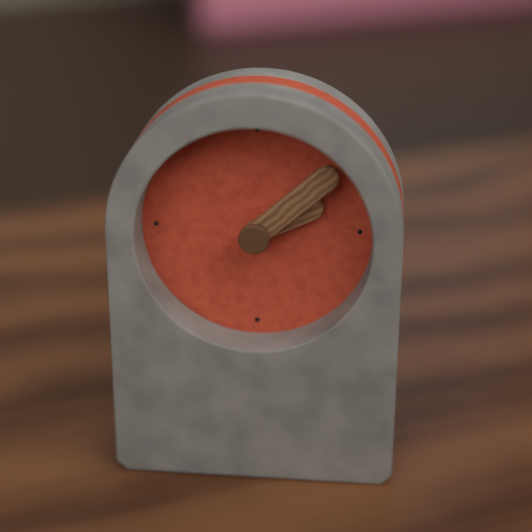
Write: 2 h 08 min
